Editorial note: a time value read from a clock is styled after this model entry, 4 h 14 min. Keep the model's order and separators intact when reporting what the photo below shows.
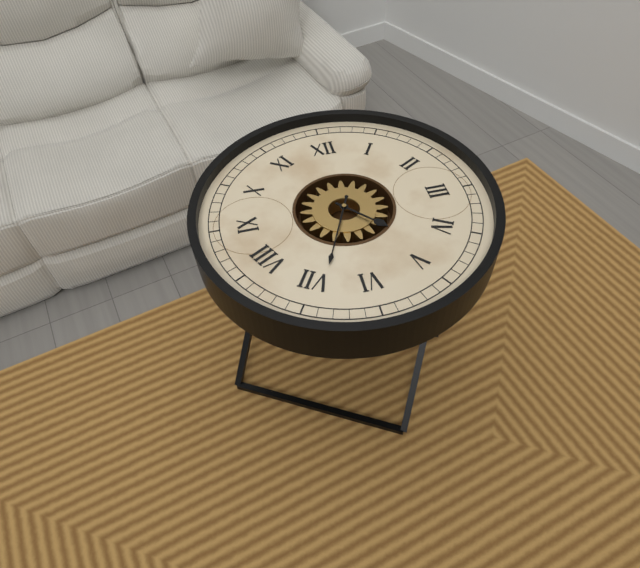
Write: 4 h 34 min
